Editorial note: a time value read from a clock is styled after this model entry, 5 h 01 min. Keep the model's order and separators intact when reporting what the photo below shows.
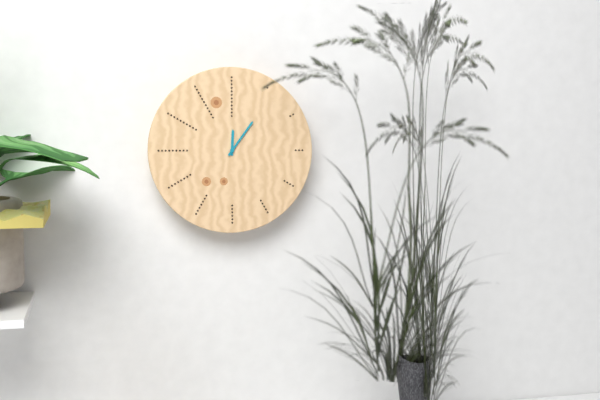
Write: 12 h 06 min
